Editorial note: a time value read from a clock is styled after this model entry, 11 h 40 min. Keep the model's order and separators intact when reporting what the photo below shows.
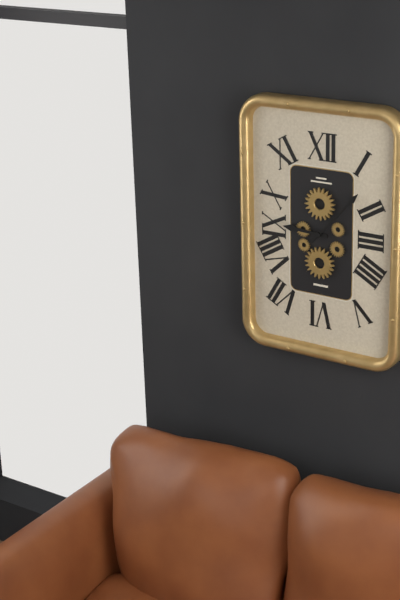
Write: 9 h 07 min
